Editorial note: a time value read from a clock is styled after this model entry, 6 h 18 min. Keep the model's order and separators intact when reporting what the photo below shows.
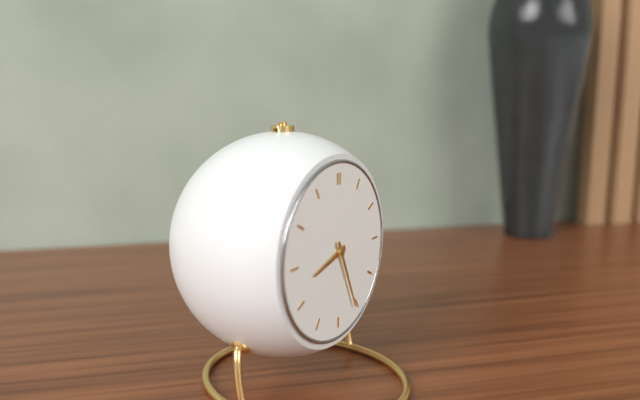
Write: 8 h 26 min
